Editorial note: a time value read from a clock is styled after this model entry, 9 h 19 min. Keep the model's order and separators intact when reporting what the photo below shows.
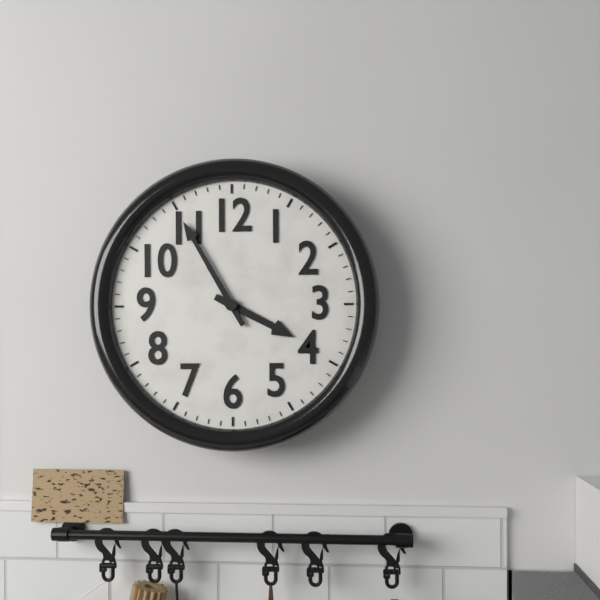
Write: 3 h 55 min
